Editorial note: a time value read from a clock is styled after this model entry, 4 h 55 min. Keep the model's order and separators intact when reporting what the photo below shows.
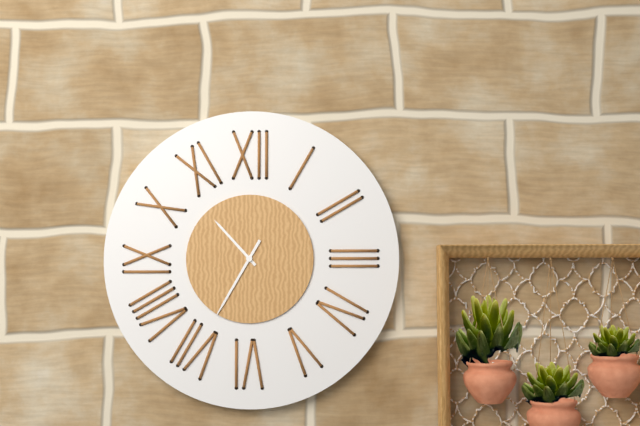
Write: 10 h 35 min
